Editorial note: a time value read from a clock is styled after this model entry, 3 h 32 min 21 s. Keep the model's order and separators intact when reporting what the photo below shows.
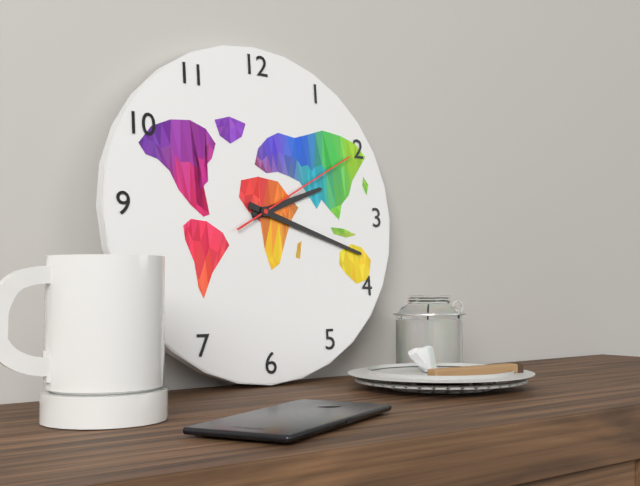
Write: 2 h 18 min 10 s
